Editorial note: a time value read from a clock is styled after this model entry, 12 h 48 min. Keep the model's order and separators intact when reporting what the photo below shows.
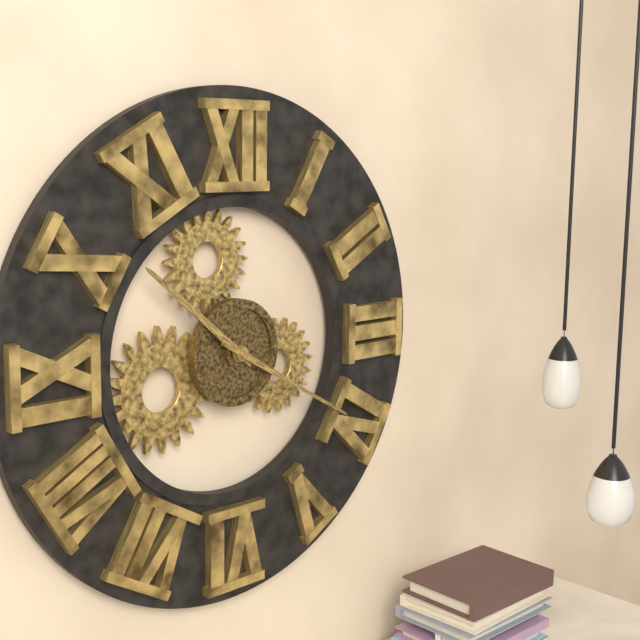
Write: 10 h 20 min
